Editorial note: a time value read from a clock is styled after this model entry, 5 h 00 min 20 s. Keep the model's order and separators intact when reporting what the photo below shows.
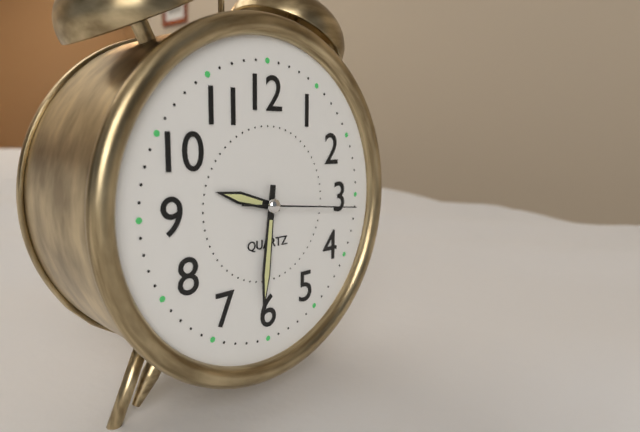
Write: 9 h 31 min 16 s
